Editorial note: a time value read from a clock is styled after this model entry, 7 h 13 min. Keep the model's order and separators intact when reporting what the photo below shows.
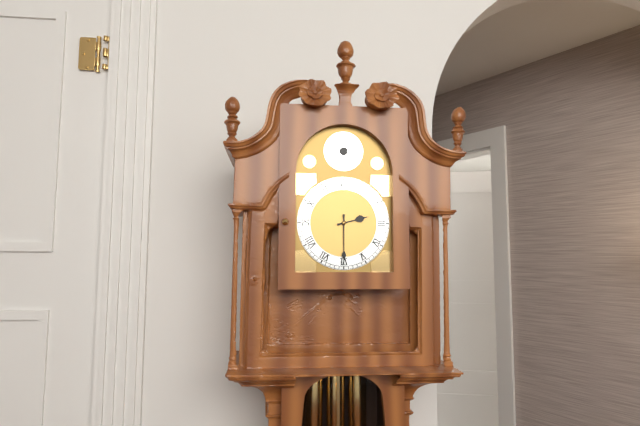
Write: 2 h 30 min
